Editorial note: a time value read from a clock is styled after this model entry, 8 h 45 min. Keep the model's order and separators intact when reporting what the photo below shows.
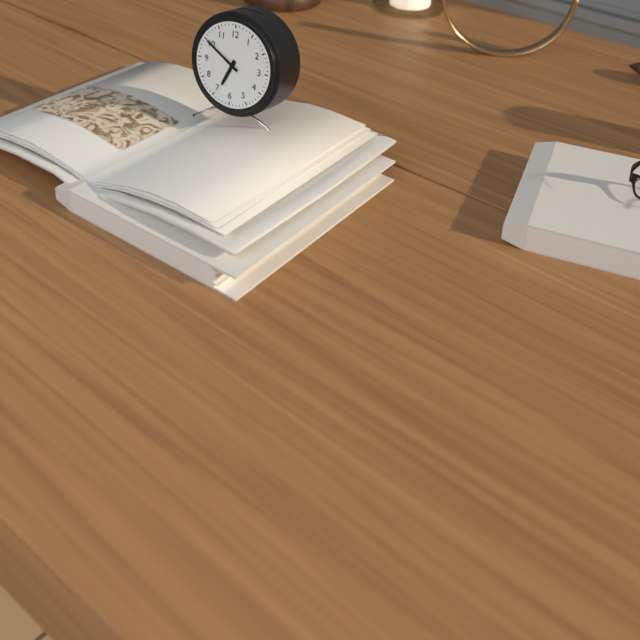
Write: 6 h 50 min
